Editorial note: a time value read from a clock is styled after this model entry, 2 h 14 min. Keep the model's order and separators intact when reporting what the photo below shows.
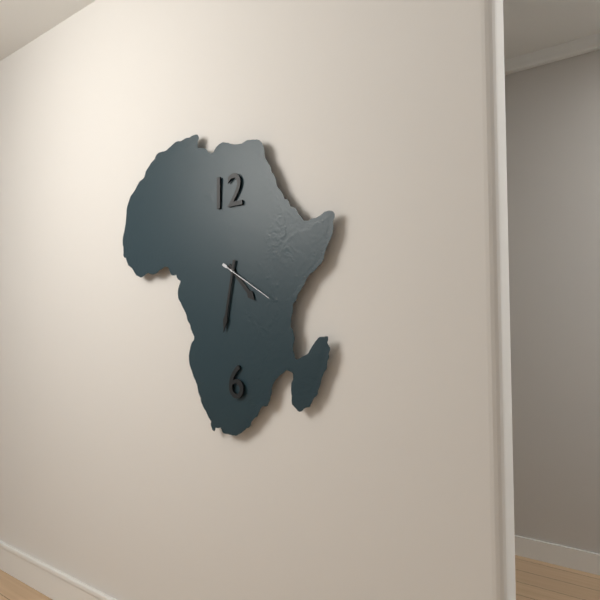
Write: 4 h 32 min
